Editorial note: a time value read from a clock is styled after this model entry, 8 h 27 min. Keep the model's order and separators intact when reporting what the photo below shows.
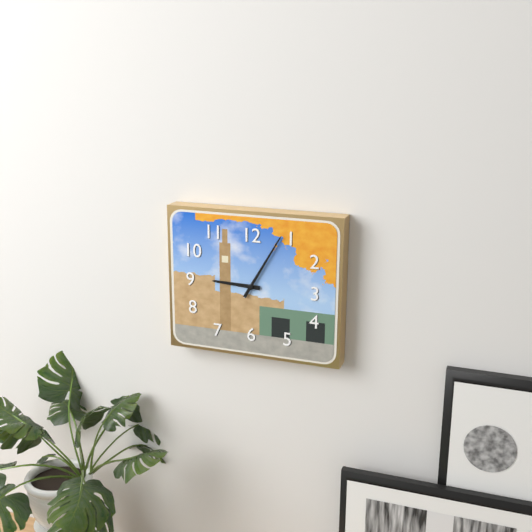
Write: 9 h 05 min
